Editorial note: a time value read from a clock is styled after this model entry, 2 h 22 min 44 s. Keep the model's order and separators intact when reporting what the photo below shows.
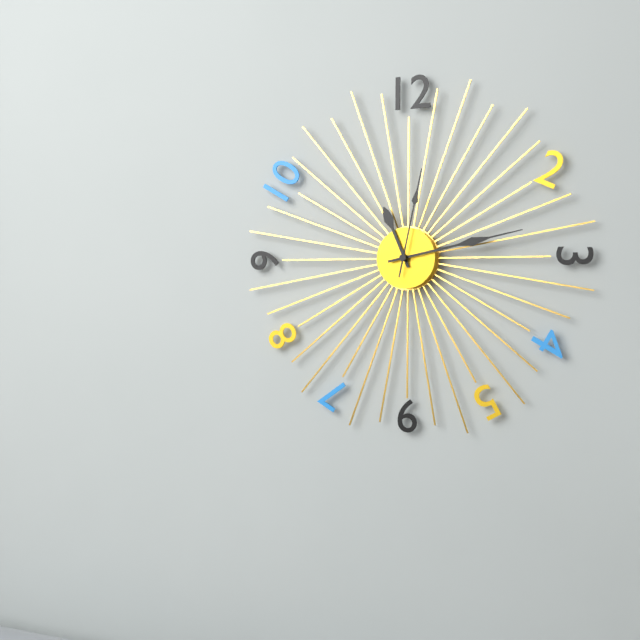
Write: 11 h 13 min 02 s
